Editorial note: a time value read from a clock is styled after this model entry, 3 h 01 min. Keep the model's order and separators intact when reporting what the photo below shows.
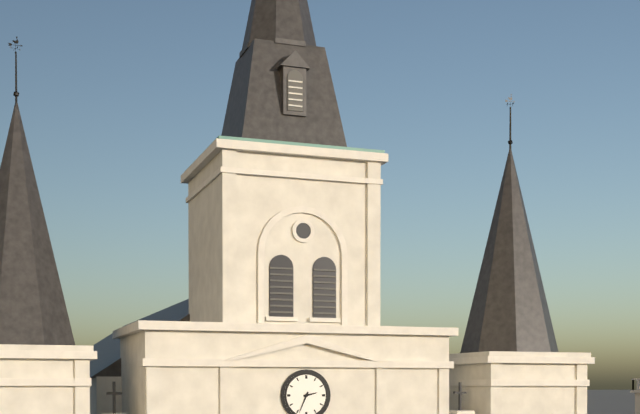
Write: 2 h 34 min
